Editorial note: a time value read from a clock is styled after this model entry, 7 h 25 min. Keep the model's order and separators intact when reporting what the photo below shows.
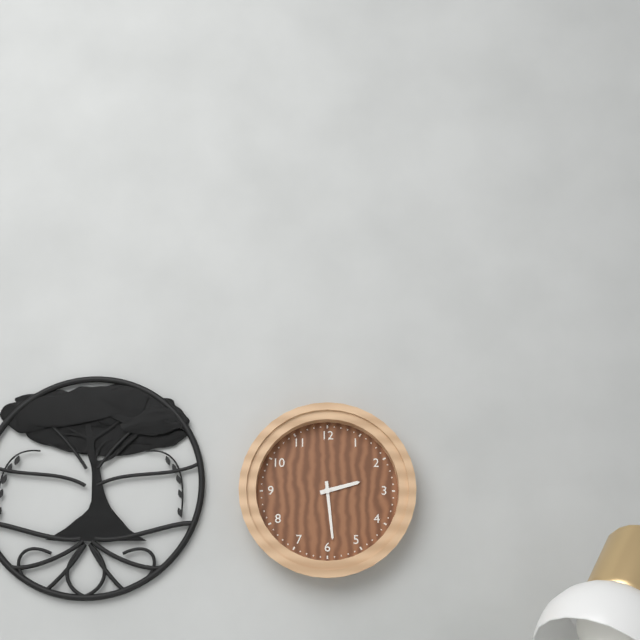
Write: 2 h 29 min
